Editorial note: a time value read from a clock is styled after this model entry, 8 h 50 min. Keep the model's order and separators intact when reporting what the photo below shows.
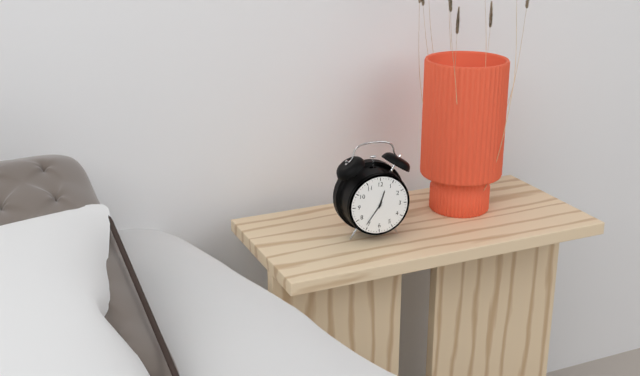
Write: 12 h 36 min
